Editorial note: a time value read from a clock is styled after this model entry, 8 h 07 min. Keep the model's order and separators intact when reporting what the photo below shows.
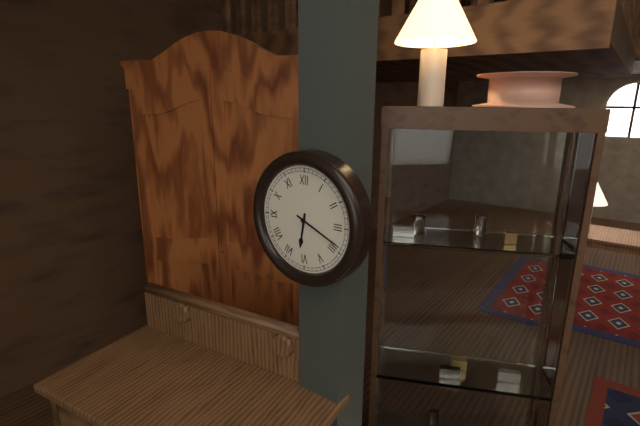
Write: 6 h 19 min
